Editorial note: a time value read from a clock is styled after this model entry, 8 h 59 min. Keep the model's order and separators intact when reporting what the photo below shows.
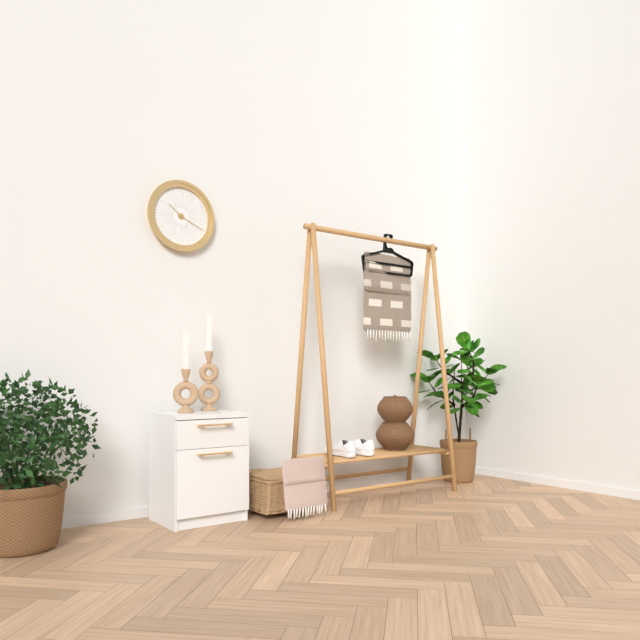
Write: 10 h 19 min
